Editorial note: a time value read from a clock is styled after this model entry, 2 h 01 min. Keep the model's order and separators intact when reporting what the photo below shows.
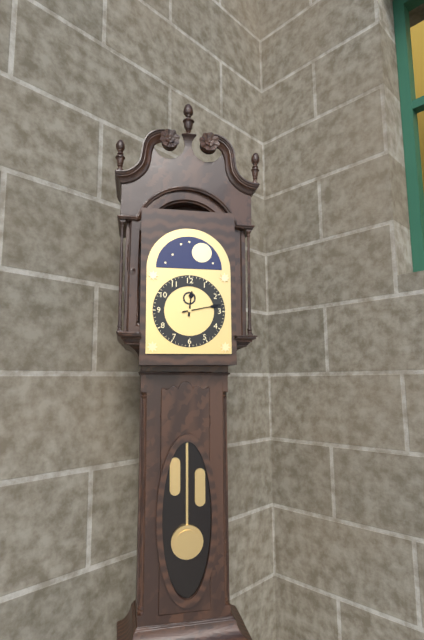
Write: 12 h 13 min
